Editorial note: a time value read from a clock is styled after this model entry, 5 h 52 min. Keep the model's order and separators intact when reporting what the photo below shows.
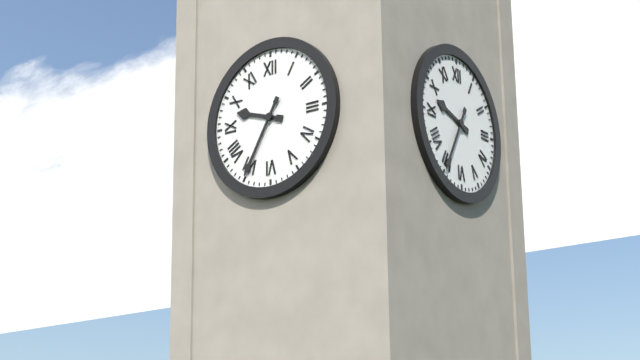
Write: 9 h 35 min
